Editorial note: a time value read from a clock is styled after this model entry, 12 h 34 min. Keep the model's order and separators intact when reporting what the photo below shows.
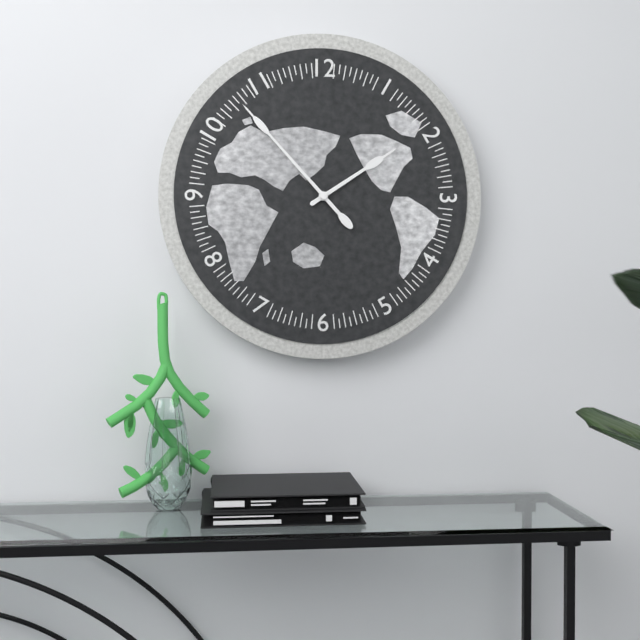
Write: 1 h 53 min
